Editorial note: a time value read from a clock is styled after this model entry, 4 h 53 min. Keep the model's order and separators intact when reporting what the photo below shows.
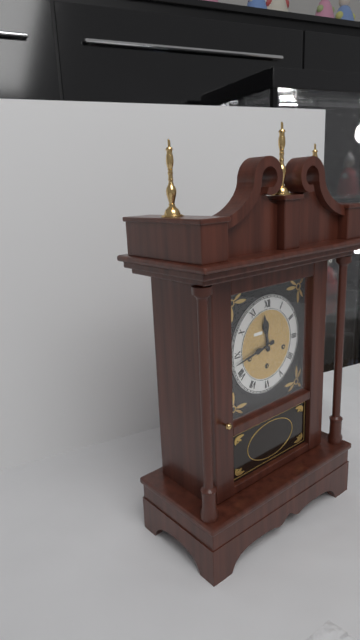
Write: 11 h 43 min
